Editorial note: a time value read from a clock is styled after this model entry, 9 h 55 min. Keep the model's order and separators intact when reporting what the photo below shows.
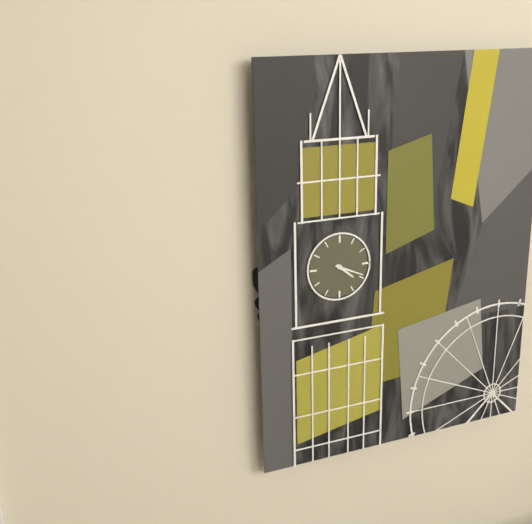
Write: 4 h 19 min
